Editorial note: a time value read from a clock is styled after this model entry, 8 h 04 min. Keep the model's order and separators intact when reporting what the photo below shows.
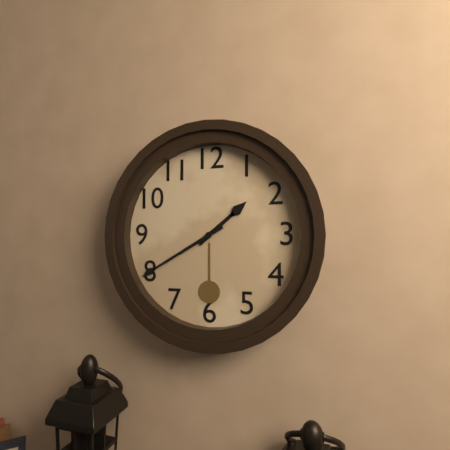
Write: 1 h 40 min
